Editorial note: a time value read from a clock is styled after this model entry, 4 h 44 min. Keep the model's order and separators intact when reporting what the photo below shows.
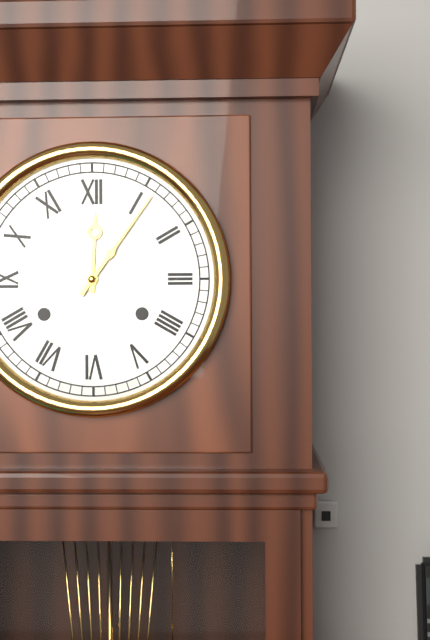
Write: 12 h 06 min
